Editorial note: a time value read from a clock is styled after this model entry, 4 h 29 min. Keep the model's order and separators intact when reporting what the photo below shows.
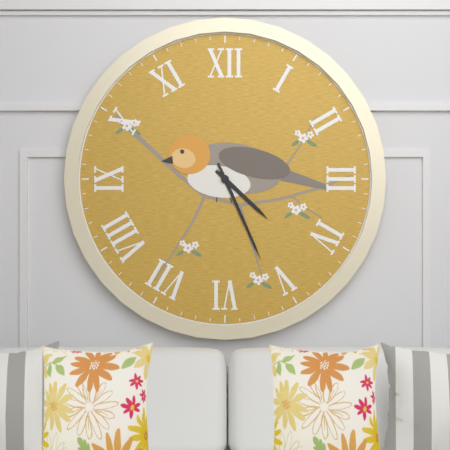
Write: 4 h 26 min
